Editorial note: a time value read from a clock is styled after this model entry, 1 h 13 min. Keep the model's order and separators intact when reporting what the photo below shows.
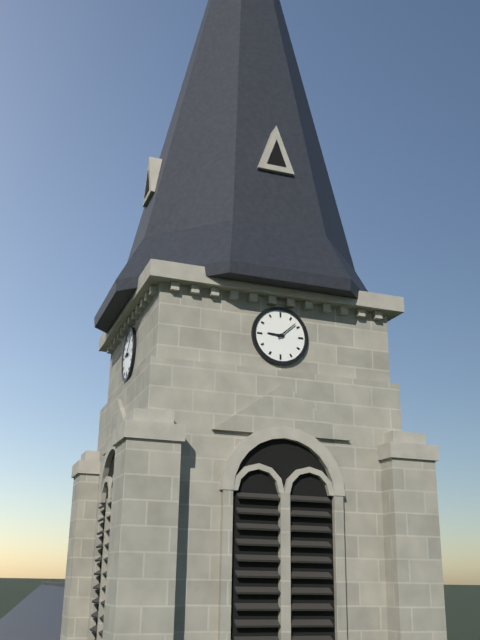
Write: 9 h 08 min
